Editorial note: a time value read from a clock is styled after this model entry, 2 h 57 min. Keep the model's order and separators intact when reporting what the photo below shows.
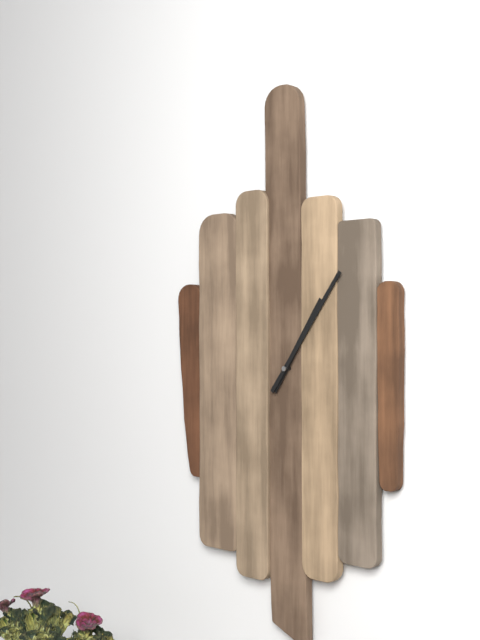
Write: 1 h 06 min
